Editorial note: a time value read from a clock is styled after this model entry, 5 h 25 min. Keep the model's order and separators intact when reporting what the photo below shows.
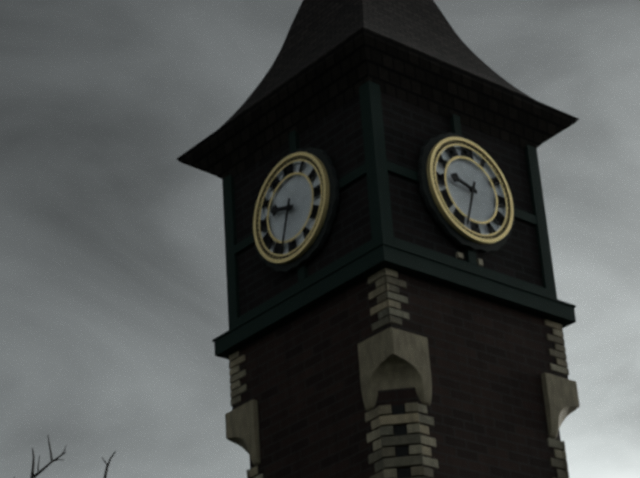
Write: 9 h 33 min
